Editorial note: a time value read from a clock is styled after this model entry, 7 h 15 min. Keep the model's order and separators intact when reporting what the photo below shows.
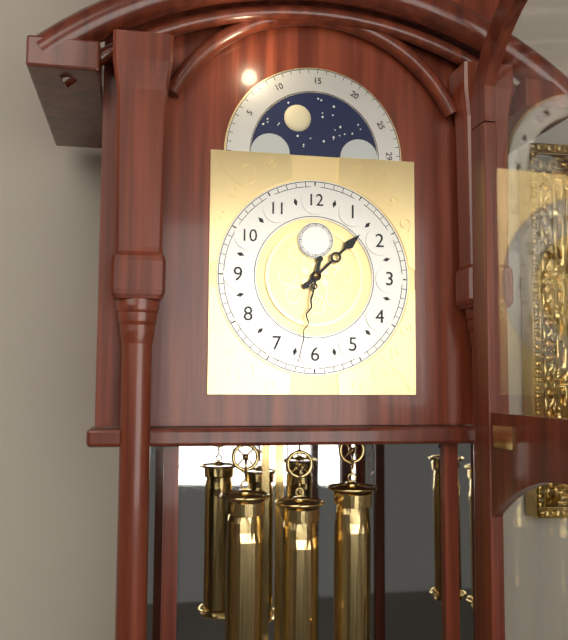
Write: 1 h 32 min
